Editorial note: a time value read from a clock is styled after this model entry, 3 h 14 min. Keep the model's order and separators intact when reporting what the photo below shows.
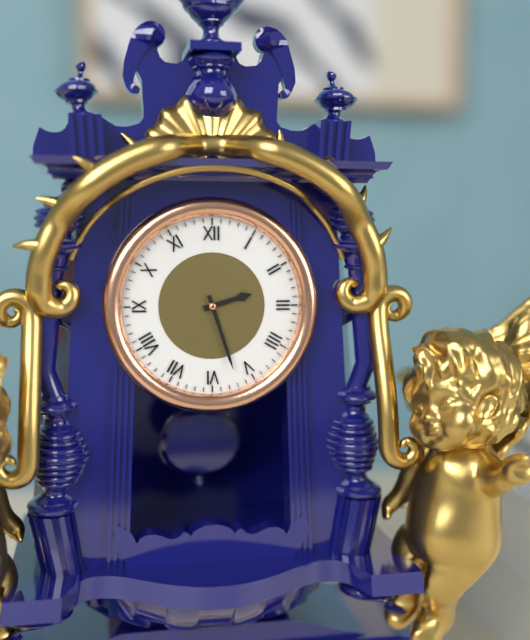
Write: 2 h 27 min
